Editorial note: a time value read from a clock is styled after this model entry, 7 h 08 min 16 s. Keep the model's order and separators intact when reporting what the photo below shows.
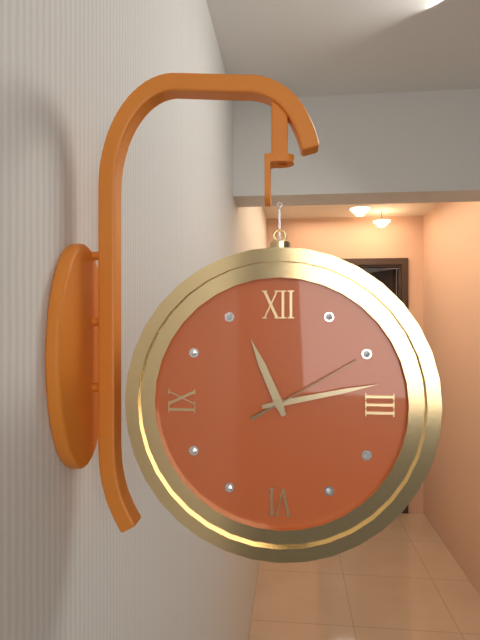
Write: 11 h 13 min 10 s
